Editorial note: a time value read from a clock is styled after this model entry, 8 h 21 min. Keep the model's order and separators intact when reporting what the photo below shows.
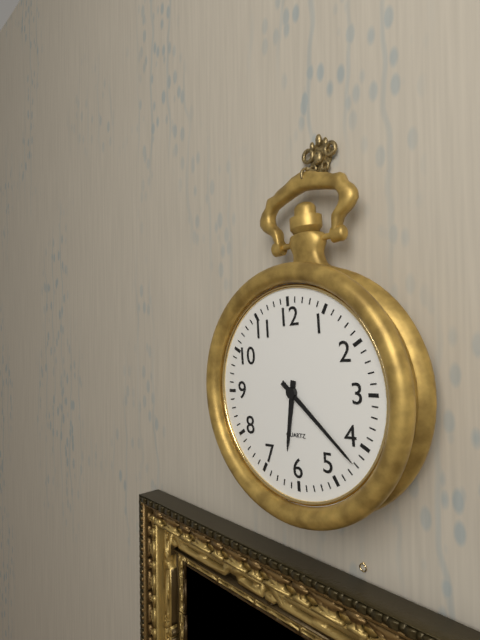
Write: 6 h 22 min
